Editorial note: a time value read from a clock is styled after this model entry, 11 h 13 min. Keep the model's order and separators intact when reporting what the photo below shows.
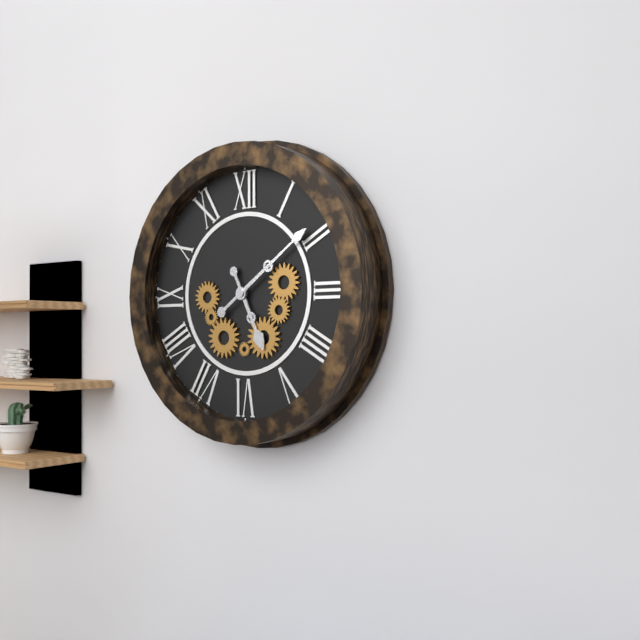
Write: 5 h 09 min
